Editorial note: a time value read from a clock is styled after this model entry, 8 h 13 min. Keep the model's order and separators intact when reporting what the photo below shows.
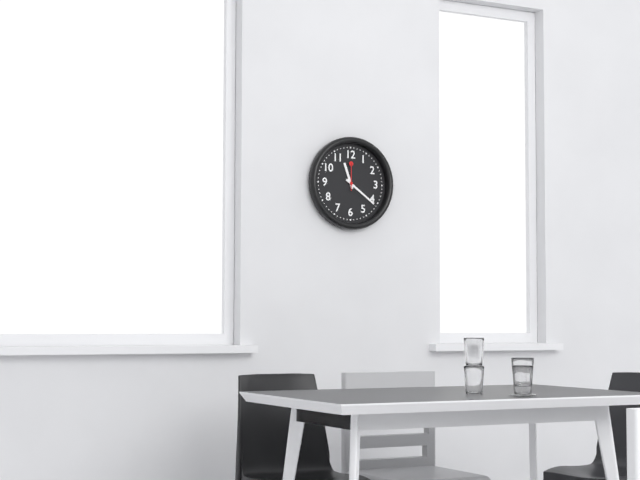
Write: 11 h 21 min
